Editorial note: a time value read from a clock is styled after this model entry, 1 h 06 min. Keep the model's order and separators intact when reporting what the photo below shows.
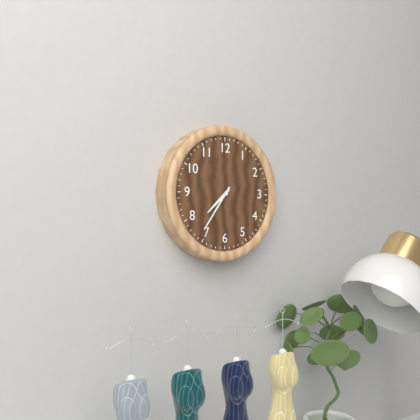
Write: 7 h 36 min
